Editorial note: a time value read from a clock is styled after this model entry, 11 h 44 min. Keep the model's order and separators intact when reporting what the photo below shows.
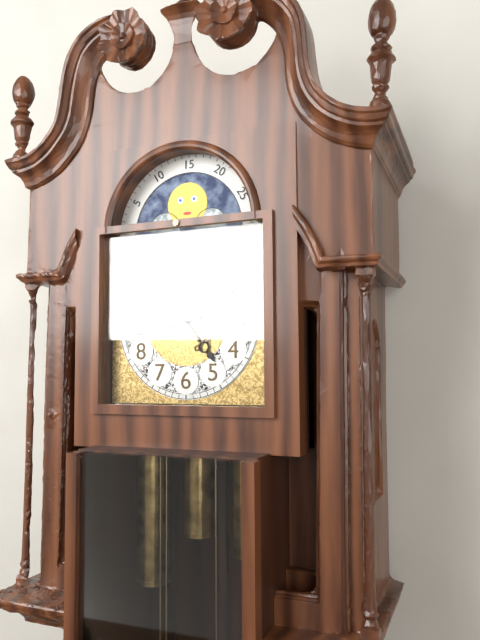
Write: 4 h 43 min
